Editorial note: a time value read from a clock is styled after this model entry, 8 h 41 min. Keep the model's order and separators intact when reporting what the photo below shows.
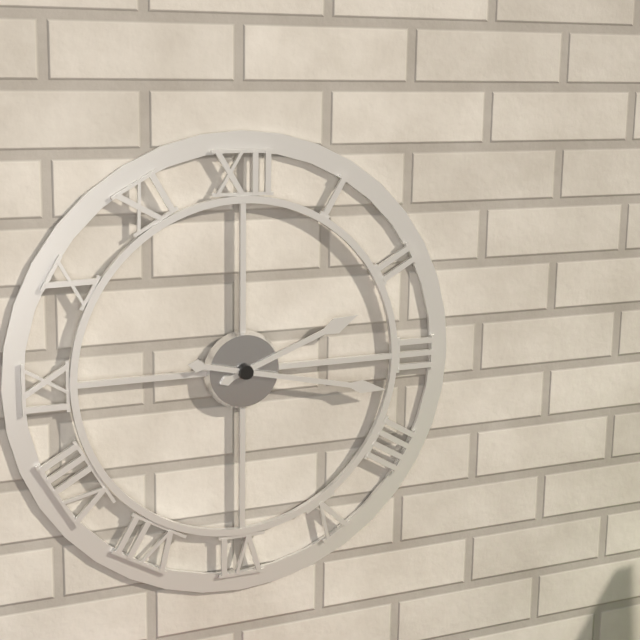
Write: 2 h 17 min
